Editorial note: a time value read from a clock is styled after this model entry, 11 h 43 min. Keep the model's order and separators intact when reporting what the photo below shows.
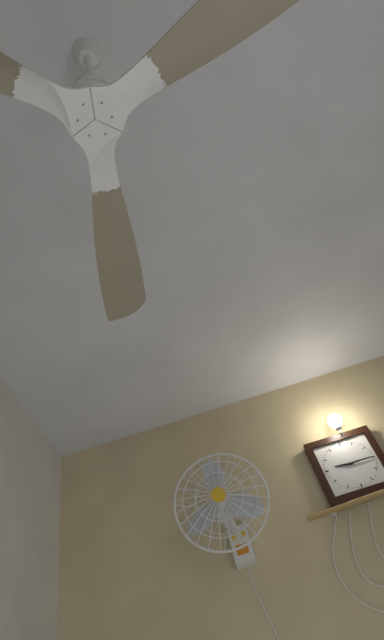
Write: 9 h 15 min
